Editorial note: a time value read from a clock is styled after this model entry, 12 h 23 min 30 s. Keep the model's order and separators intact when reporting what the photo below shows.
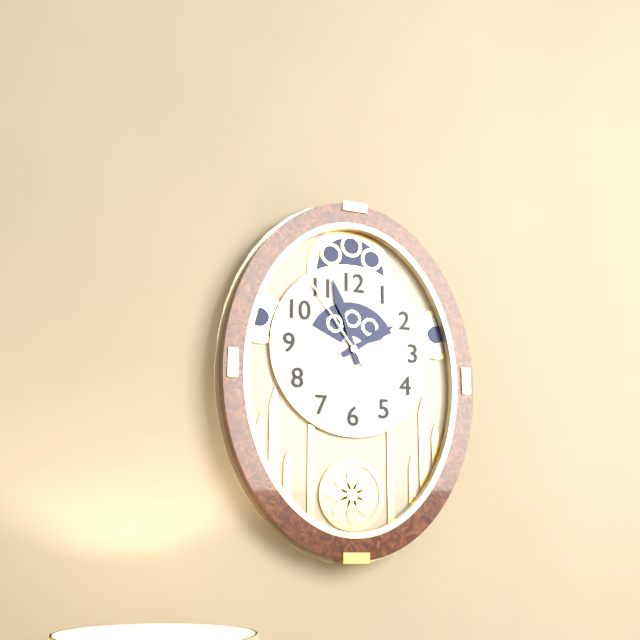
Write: 1 h 57 min 54 s
